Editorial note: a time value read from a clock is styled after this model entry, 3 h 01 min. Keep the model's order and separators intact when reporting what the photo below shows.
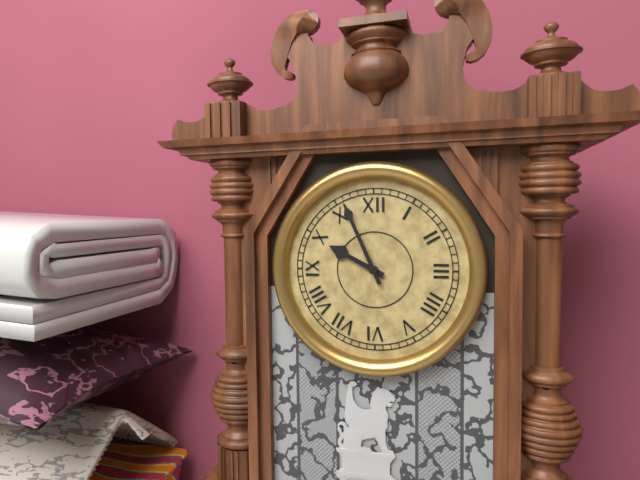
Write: 9 h 56 min
